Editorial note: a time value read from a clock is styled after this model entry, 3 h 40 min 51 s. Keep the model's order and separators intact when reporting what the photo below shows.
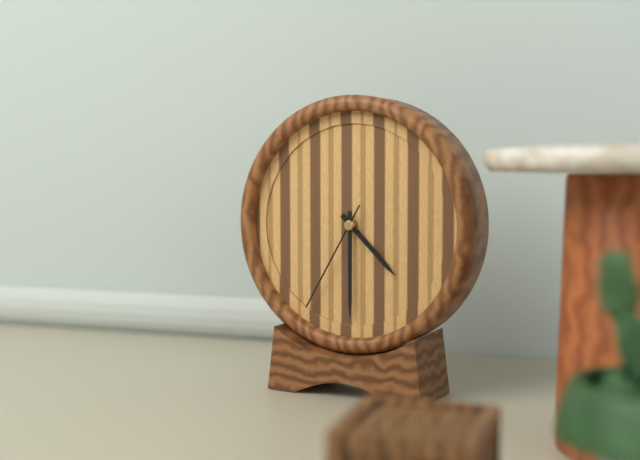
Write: 4 h 30 min 35 s
